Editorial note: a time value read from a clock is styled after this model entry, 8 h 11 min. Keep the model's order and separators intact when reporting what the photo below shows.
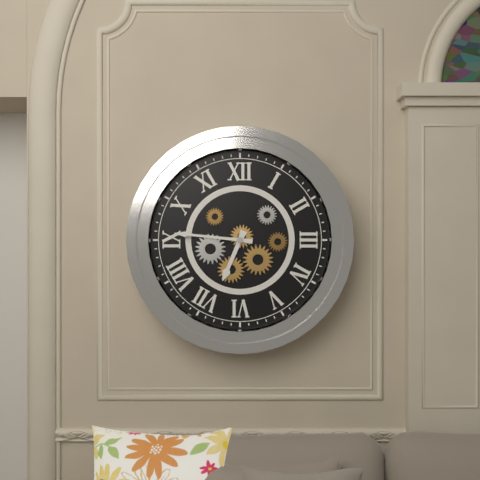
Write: 6 h 46 min
